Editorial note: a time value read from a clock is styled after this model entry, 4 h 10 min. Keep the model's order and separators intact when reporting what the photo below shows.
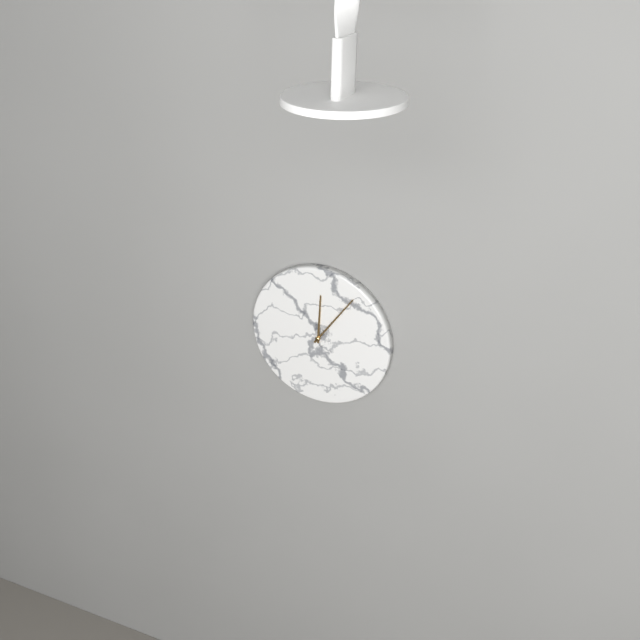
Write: 12 h 06 min
